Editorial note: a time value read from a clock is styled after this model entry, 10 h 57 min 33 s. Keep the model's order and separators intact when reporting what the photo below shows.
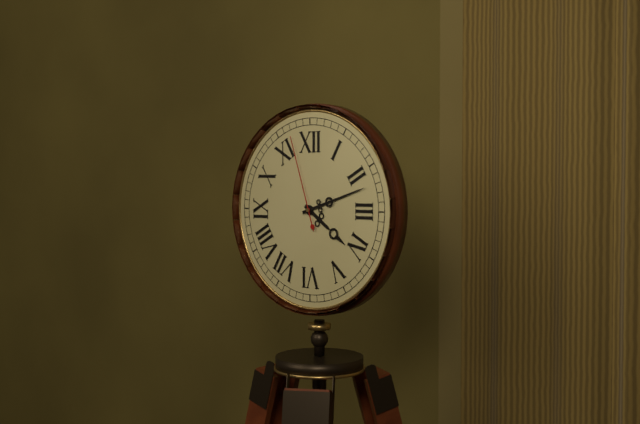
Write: 4 h 12 min 57 s
